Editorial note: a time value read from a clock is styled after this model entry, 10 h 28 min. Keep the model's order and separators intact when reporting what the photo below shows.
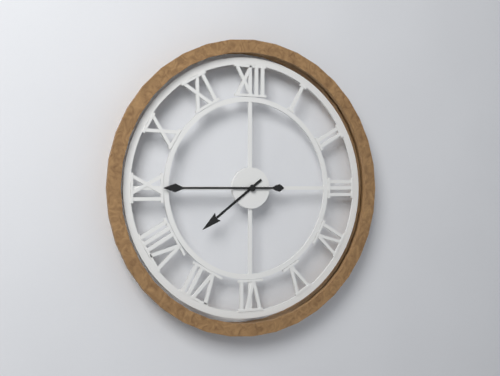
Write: 7 h 45 min
